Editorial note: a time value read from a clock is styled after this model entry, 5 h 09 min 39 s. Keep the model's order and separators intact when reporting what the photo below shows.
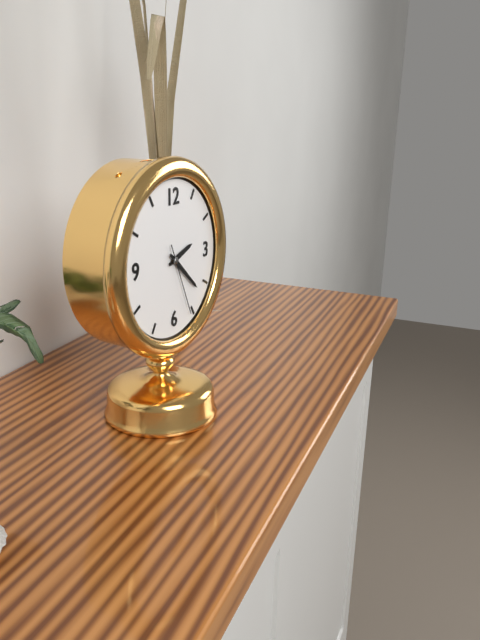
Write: 2 h 22 min 26 s
